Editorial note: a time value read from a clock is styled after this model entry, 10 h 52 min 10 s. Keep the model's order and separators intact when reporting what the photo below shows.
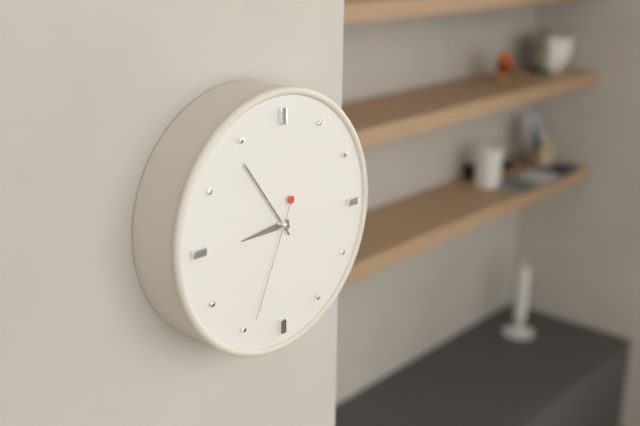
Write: 8 h 54 min 34 s
